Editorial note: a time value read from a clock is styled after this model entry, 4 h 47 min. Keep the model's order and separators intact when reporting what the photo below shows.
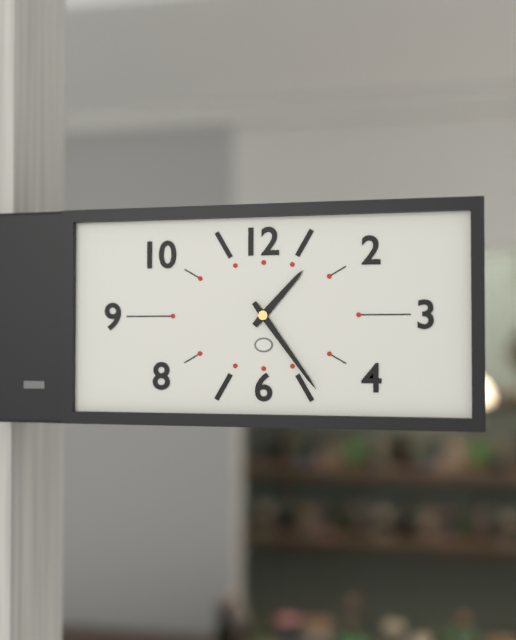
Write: 1 h 24 min
